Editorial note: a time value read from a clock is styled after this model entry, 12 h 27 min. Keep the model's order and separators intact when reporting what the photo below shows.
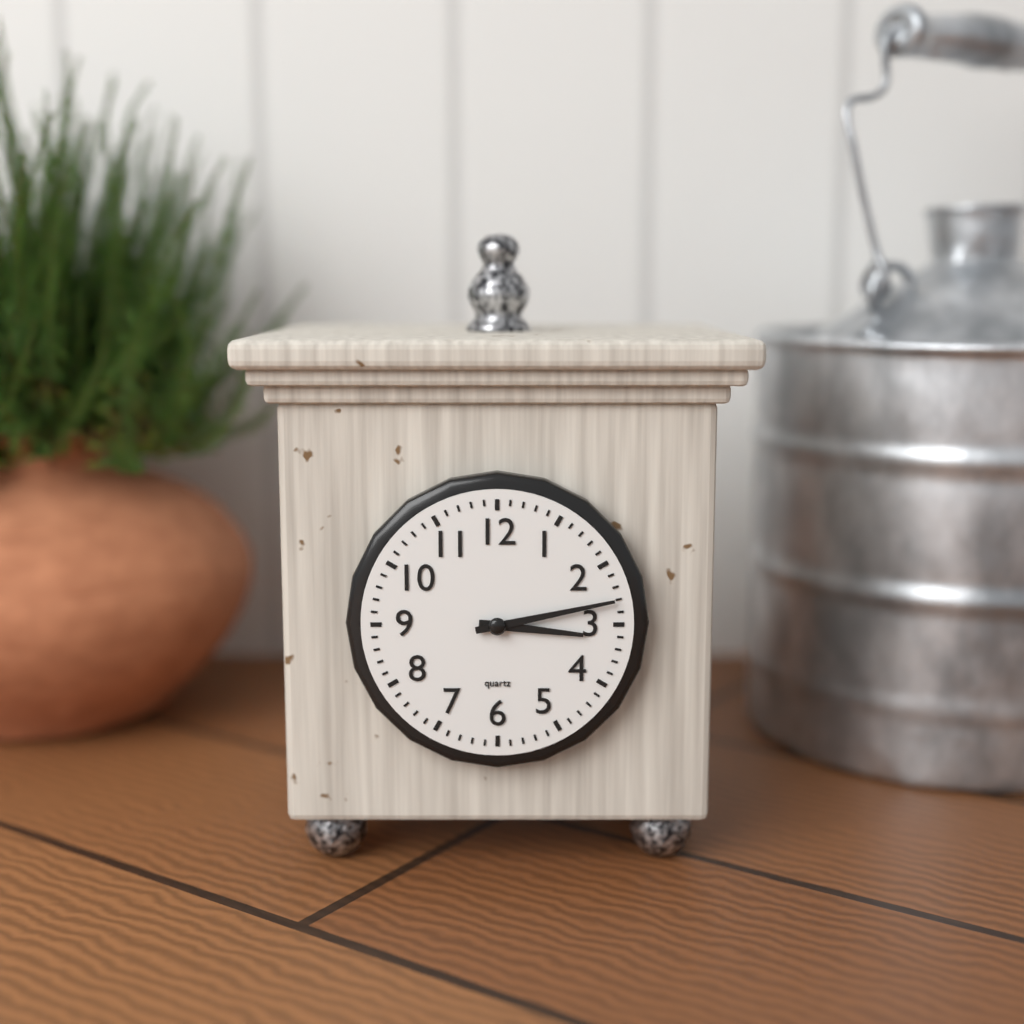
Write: 3 h 13 min
